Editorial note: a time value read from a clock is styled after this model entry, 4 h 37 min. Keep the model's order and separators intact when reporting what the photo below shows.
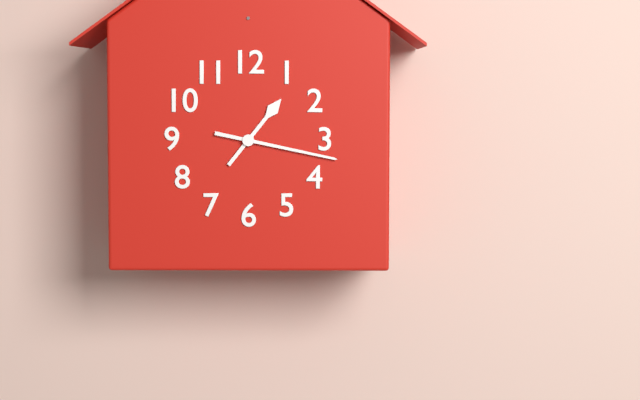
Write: 1 h 17 min
